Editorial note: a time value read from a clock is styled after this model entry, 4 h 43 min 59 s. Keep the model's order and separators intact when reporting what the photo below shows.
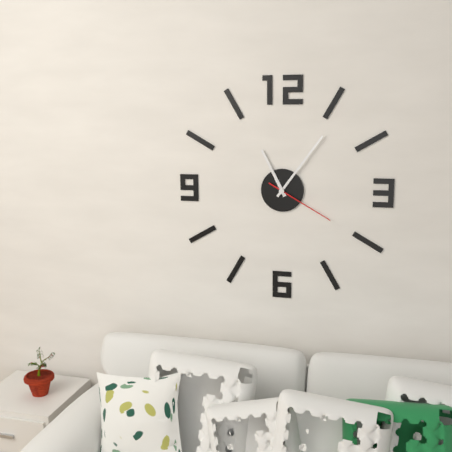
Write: 11 h 06 min 20 s
